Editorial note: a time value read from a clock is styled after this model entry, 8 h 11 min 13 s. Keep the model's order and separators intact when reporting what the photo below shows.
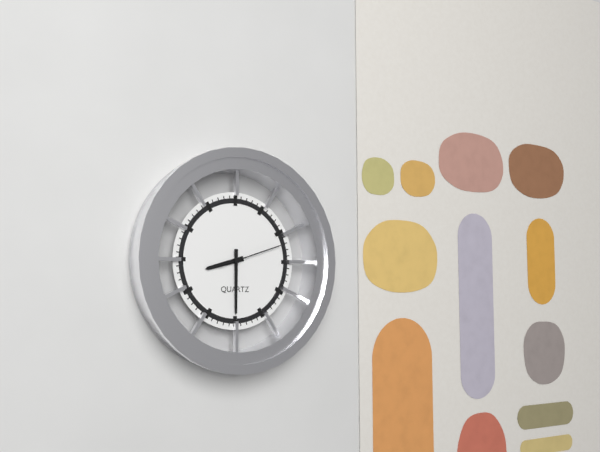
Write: 8 h 30 min 12 s
